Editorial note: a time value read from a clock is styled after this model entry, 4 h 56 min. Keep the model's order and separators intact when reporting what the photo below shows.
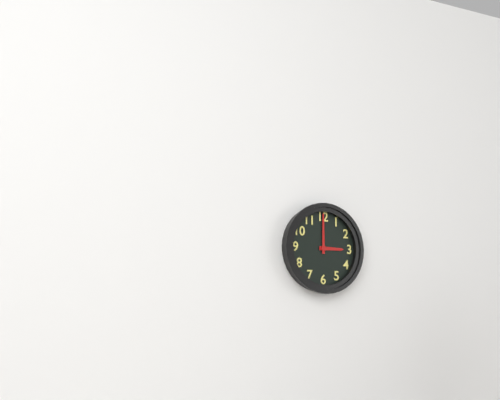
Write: 3 h 00 min
